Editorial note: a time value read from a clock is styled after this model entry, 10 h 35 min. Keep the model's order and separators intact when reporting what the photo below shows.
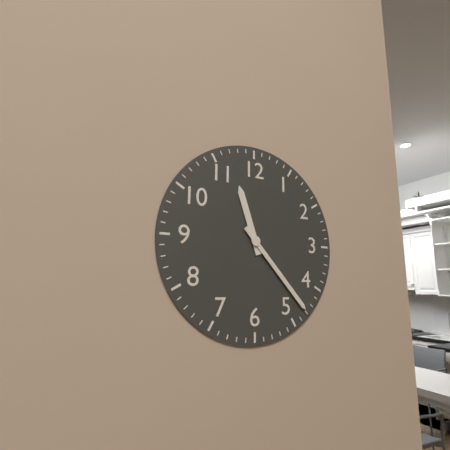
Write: 11 h 23 min
